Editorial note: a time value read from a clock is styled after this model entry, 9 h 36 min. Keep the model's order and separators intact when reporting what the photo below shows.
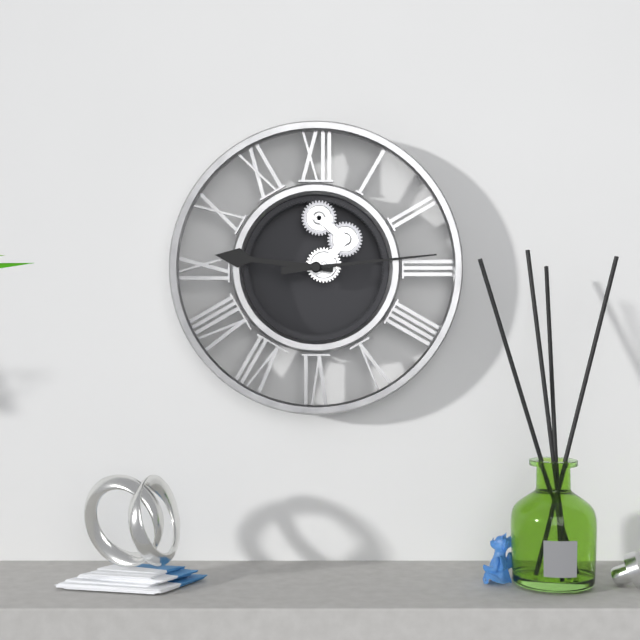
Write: 9 h 14 min
